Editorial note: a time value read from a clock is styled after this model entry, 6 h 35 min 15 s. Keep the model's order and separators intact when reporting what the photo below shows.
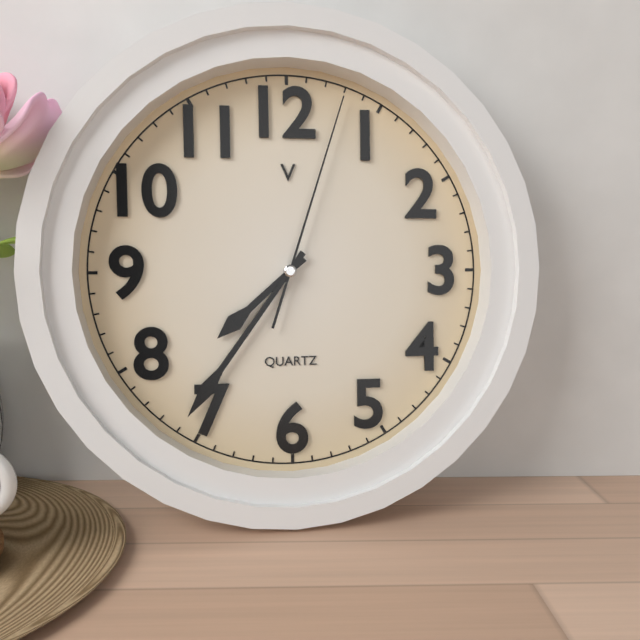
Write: 7 h 36 min 03 s
